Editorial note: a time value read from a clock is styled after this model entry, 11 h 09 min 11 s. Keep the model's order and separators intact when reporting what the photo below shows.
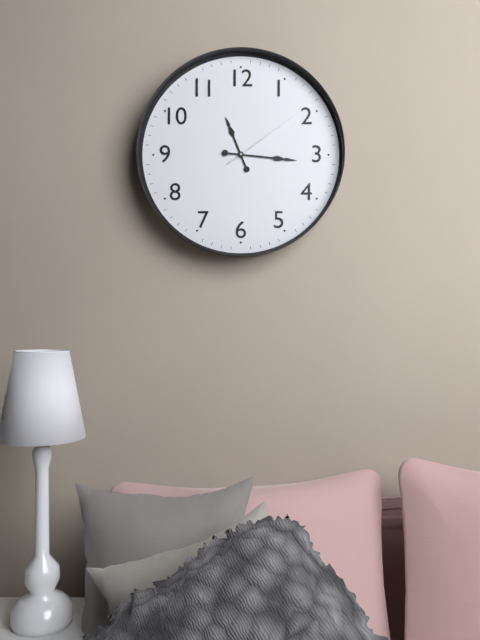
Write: 11 h 16 min 09 s
